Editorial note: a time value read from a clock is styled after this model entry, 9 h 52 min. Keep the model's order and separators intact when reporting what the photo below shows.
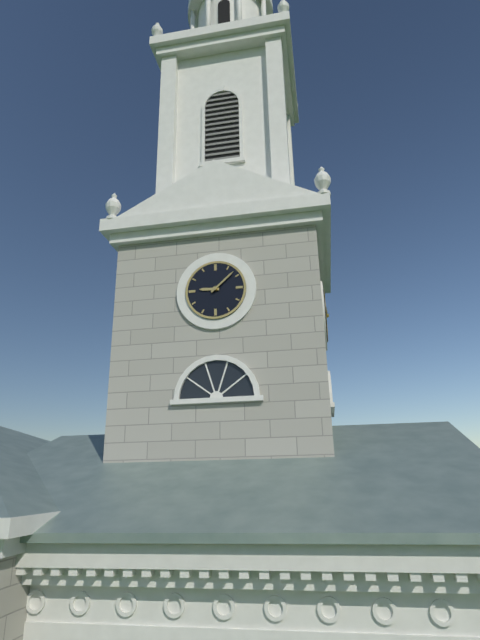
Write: 9 h 08 min
